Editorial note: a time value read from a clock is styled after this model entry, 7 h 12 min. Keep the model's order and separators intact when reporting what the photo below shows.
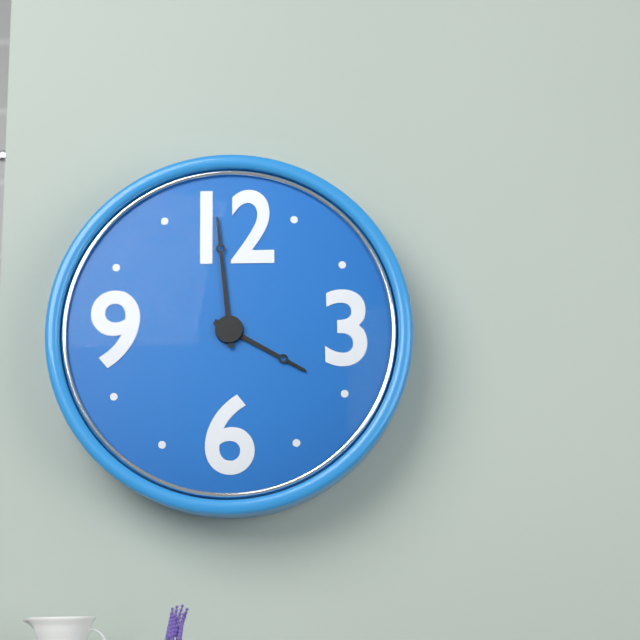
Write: 3 h 59 min
